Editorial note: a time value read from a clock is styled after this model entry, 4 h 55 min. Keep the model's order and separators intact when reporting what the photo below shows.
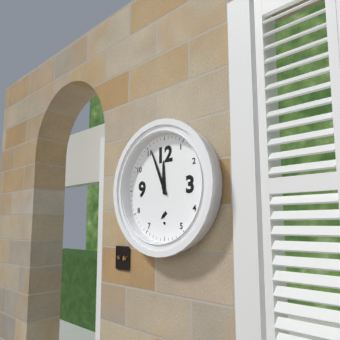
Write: 11 h 56 min
